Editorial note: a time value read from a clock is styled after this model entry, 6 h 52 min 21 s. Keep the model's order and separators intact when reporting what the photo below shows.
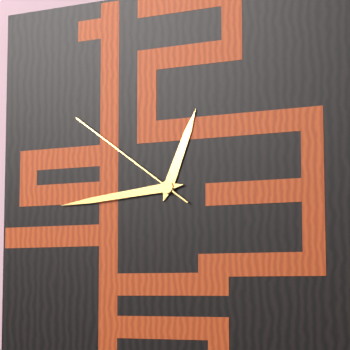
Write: 12 h 44 min 51 s
